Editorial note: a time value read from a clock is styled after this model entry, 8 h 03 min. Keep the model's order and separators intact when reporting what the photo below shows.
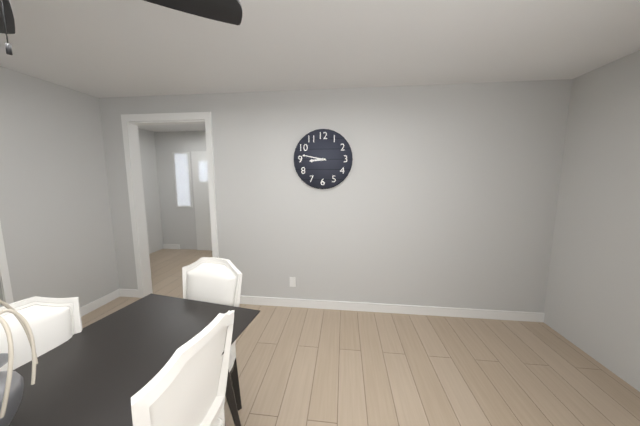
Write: 8 h 47 min
